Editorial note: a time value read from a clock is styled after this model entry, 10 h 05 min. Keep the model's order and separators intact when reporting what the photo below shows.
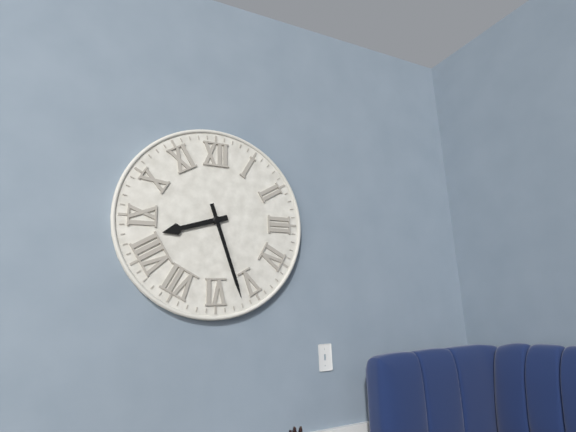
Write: 8 h 27 min
